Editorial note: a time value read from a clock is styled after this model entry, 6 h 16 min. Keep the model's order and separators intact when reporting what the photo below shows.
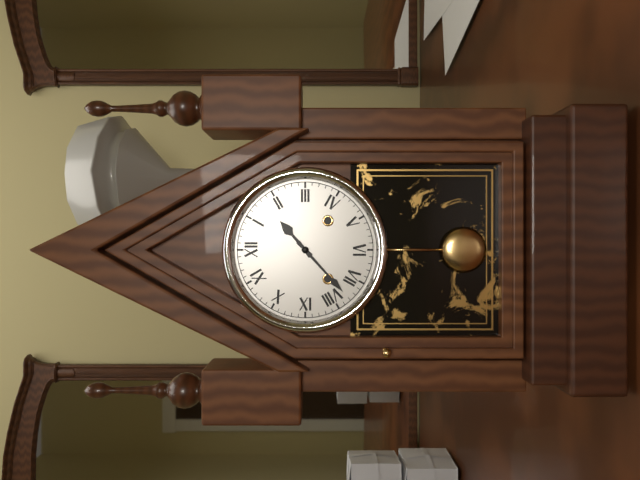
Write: 1 h 38 min
